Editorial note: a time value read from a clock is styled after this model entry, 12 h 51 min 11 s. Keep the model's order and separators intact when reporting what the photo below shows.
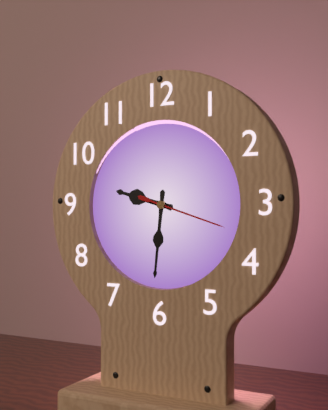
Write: 9 h 31 min 18 s
